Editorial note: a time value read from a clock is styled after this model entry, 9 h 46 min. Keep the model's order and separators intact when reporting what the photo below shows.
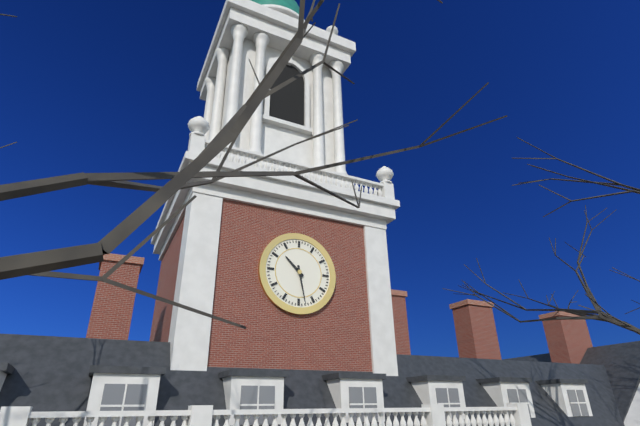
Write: 10 h 28 min
